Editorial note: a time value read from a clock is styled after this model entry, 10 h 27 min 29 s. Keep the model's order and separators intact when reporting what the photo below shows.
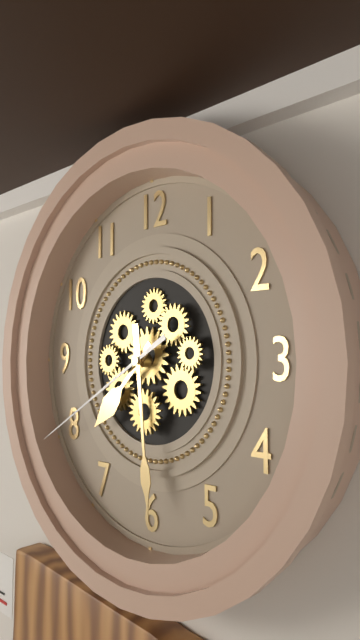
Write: 7 h 29 min 40 s
